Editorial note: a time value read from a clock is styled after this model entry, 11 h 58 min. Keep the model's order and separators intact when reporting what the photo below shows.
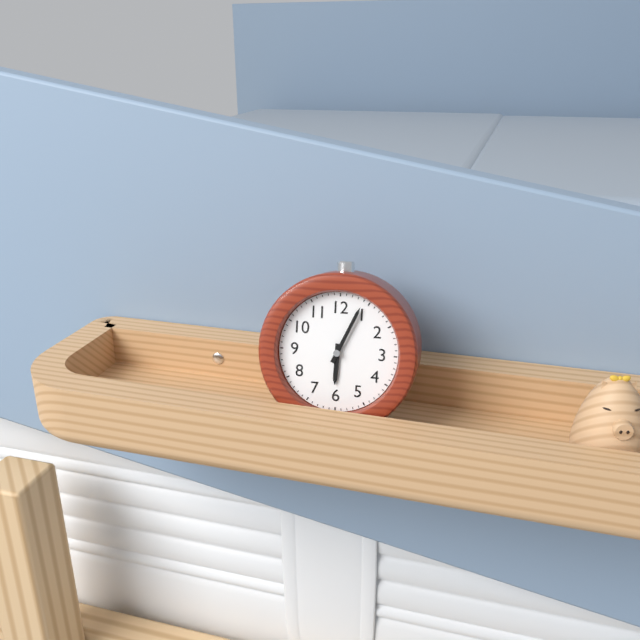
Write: 6 h 04 min
